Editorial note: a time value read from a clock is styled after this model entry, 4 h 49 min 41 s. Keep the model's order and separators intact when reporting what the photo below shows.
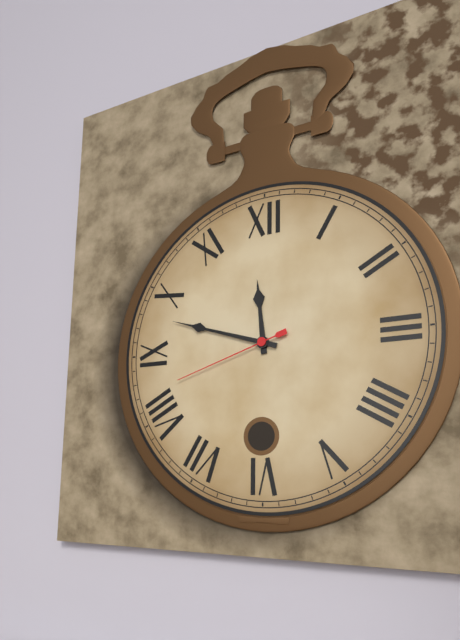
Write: 11 h 48 min 42 s
